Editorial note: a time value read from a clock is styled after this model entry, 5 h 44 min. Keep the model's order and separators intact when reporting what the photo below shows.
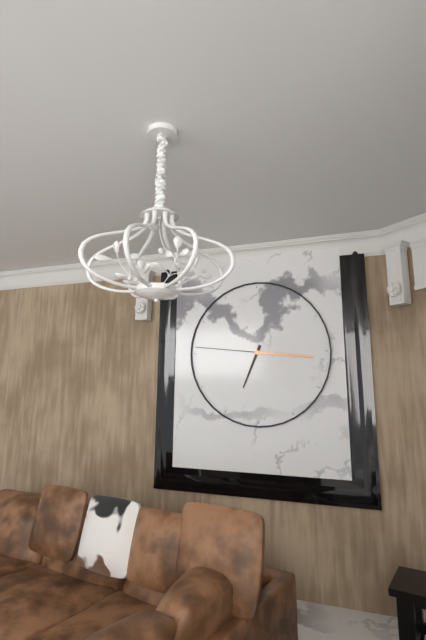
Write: 6 h 46 min
